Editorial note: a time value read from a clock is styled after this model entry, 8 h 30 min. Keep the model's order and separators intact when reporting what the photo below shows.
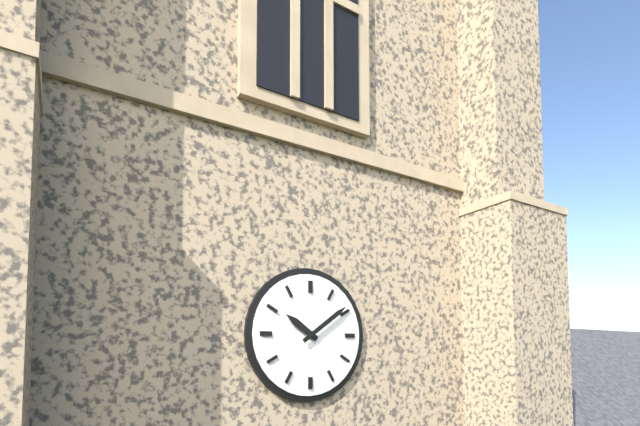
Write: 10 h 09 min
